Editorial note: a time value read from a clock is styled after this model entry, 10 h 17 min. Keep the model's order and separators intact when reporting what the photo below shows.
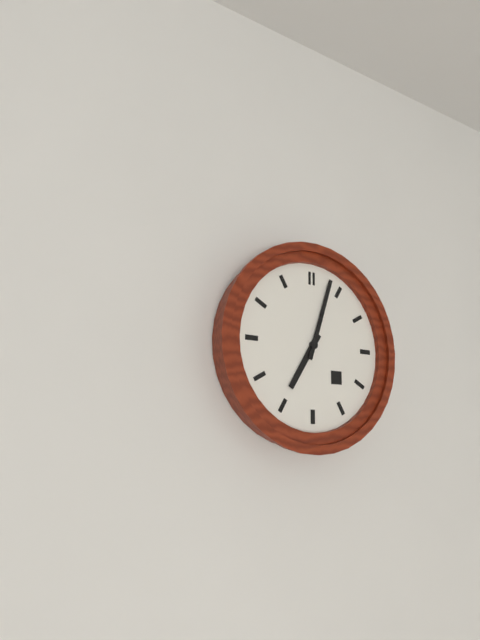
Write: 7 h 03 min
